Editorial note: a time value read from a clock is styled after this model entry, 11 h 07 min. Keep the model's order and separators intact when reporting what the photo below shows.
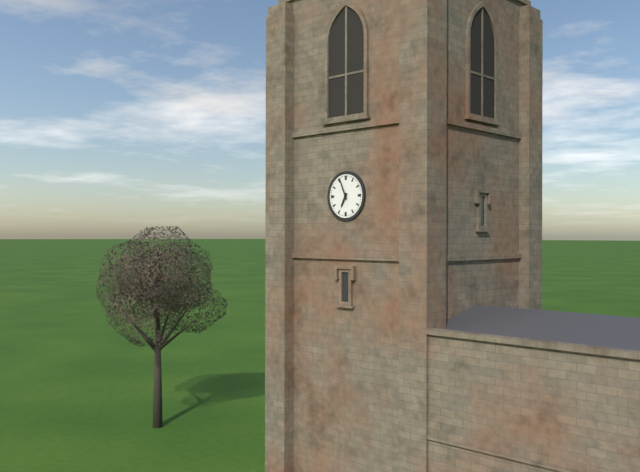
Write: 6 h 56 min
